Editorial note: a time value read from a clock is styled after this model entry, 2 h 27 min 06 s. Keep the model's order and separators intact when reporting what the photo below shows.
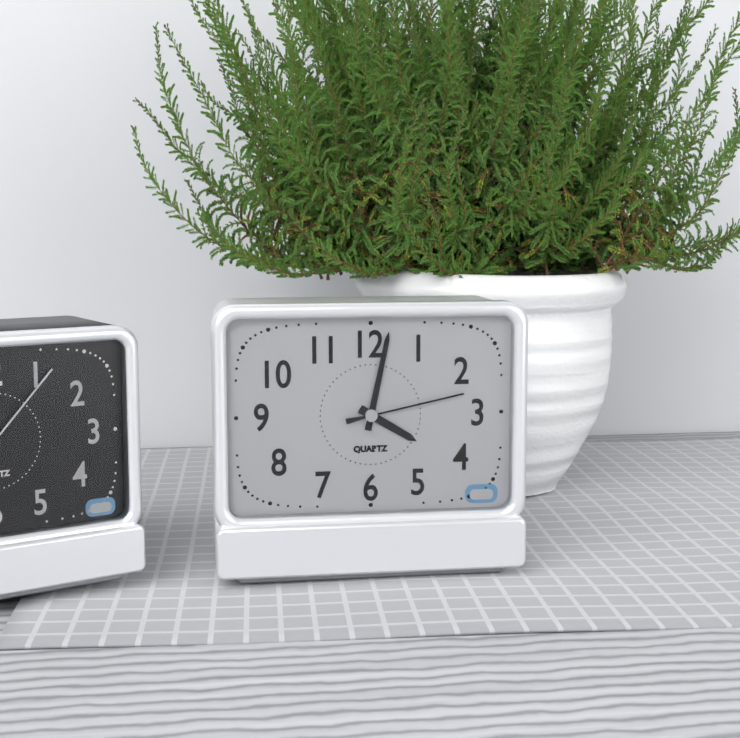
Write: 4 h 02 min 13 s
